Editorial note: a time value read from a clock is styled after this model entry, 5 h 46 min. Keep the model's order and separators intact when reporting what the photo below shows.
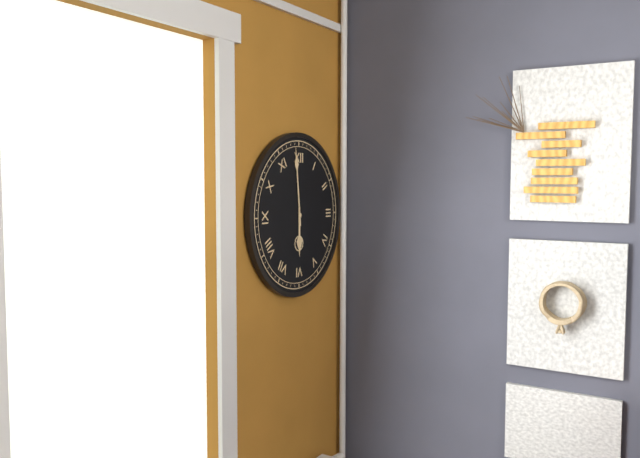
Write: 5 h 59 min
